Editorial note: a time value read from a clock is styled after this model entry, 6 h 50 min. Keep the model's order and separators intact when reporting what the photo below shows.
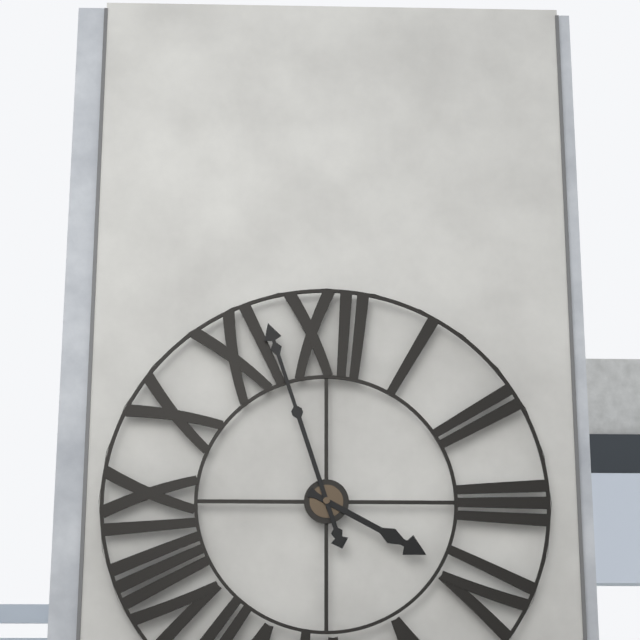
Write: 3 h 57 min
